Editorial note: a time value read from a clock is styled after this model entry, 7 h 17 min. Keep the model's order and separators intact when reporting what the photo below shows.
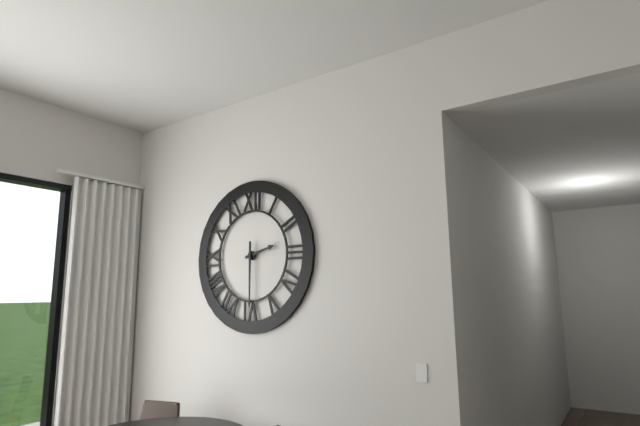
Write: 2 h 30 min
